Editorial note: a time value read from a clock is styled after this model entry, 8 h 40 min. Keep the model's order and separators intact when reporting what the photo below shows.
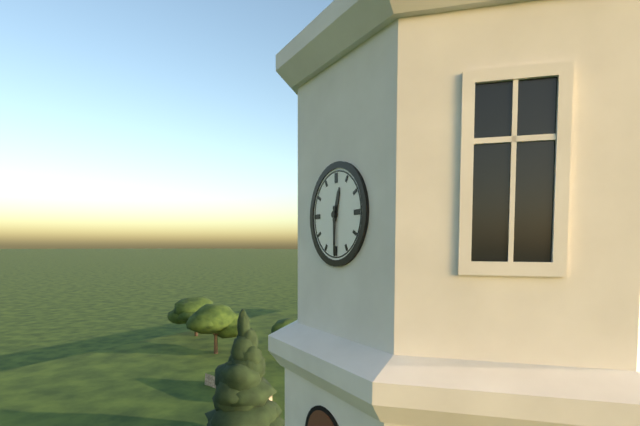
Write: 12 h 30 min
